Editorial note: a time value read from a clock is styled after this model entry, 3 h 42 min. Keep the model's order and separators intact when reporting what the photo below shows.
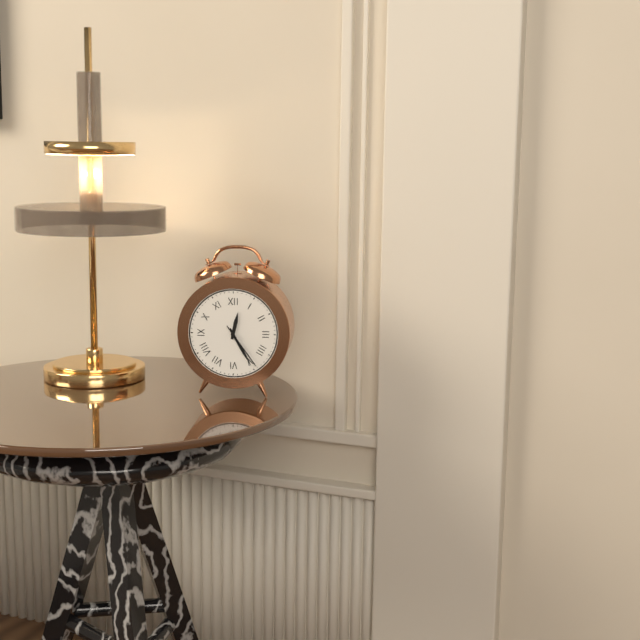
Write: 12 h 25 min
